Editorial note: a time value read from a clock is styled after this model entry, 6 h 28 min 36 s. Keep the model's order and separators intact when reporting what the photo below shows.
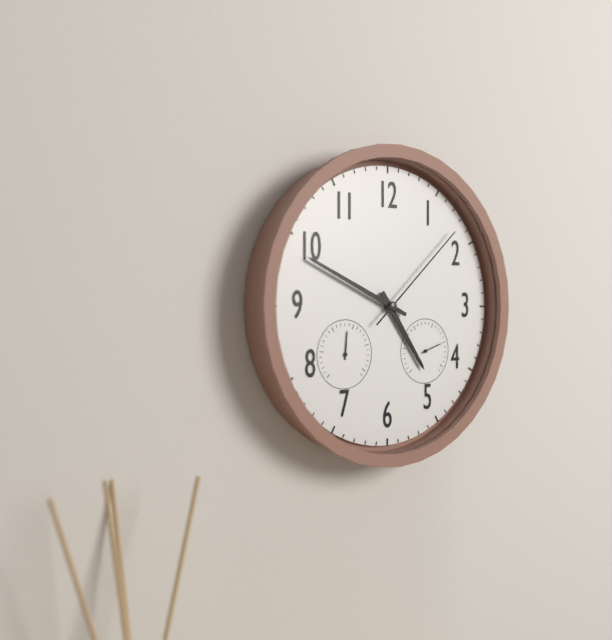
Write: 4 h 49 min 08 s
